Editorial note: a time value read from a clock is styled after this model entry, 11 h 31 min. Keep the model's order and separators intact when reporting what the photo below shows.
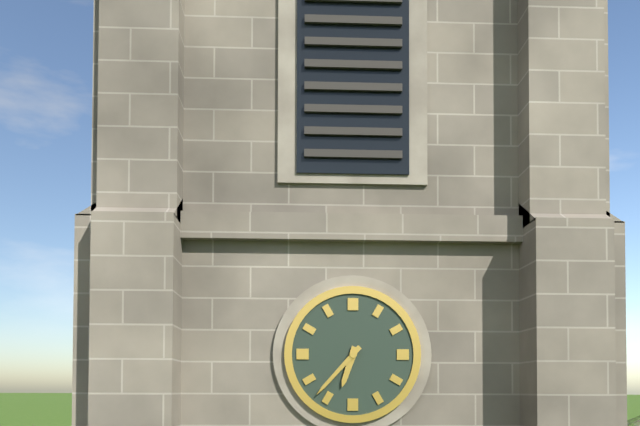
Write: 6 h 37 min
